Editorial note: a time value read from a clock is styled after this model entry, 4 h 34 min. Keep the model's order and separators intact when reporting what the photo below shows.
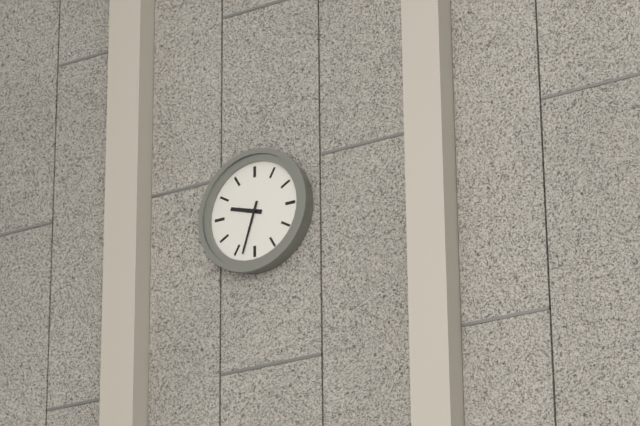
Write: 9 h 33 min
